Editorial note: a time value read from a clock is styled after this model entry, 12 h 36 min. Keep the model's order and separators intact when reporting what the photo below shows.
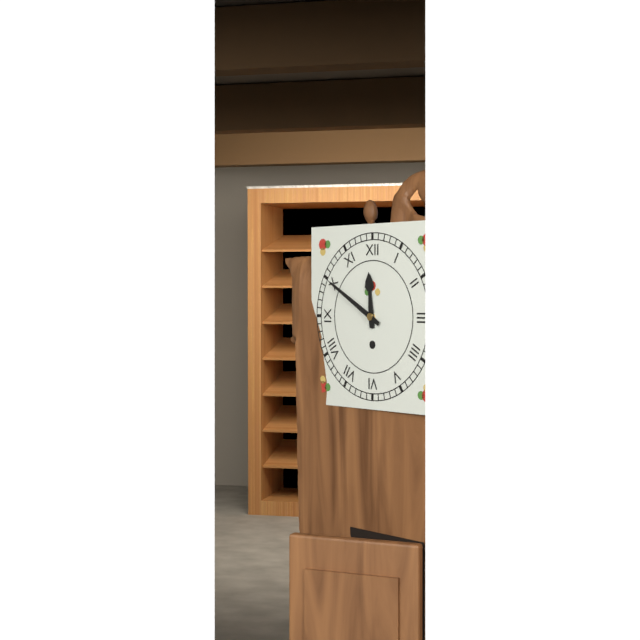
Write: 11 h 50 min
